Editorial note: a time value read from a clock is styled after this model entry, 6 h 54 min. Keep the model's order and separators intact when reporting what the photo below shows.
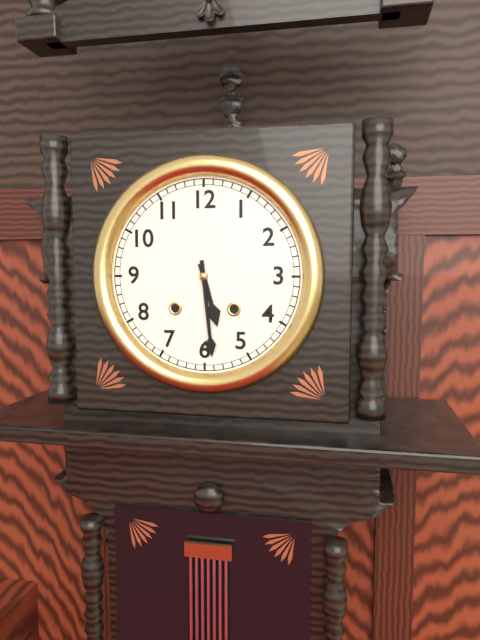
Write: 5 h 29 min
